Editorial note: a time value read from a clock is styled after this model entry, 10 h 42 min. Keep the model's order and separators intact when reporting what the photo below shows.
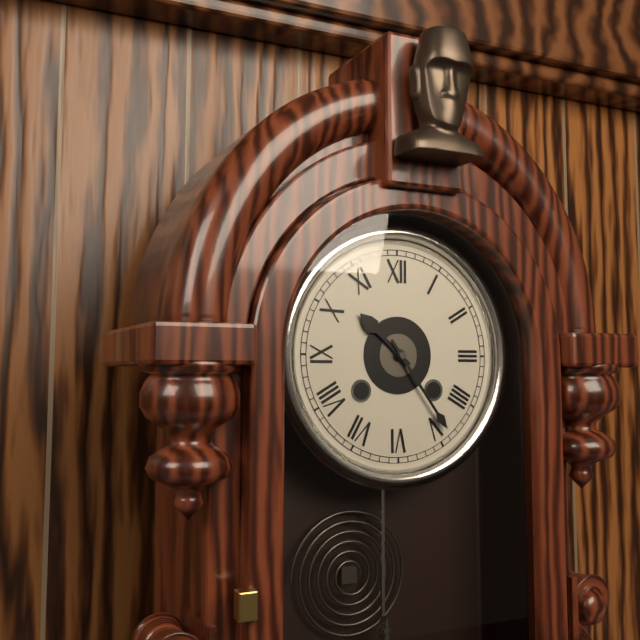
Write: 10 h 24 min
